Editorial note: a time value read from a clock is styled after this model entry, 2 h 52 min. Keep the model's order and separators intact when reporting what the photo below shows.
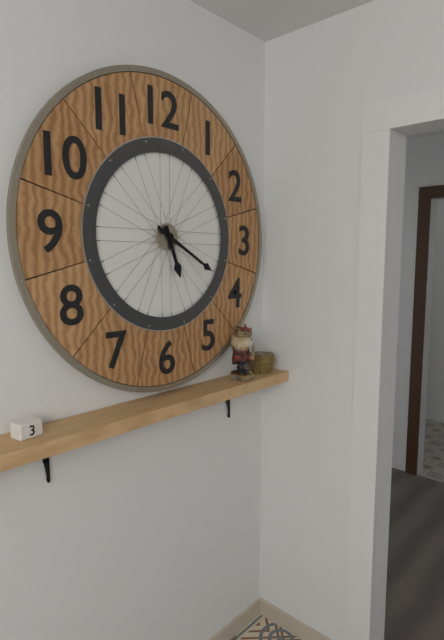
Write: 5 h 20 min
